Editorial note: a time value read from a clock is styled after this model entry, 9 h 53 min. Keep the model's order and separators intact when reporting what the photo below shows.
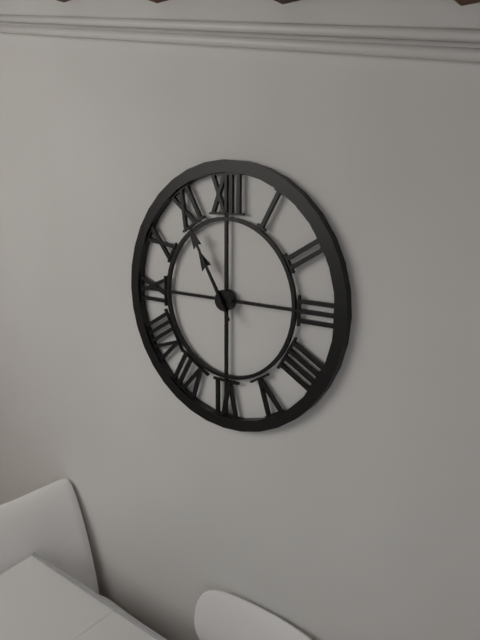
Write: 10 h 55 min
